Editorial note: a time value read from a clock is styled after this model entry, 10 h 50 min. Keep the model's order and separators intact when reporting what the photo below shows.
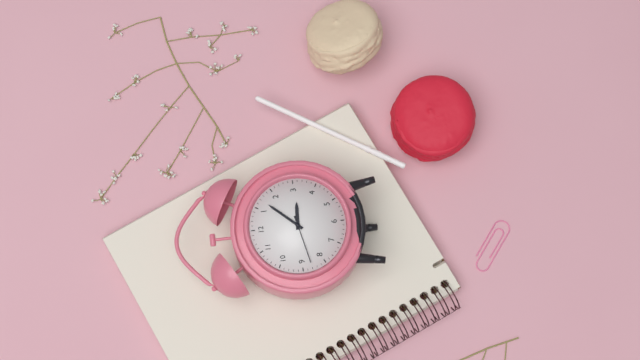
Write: 3 h 07 min
